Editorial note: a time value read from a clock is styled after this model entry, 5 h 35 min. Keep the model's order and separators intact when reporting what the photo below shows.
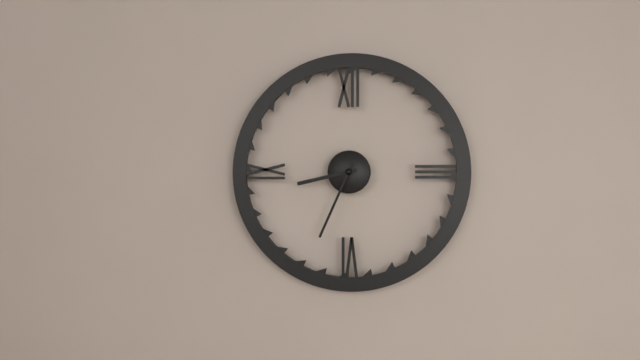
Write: 8 h 34 min
